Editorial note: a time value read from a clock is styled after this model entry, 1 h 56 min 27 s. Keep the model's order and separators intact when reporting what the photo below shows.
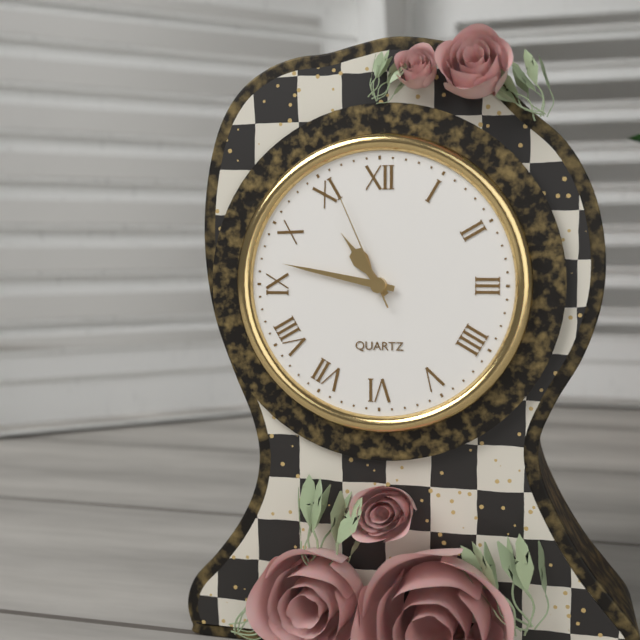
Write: 10 h 47 min 56 s
